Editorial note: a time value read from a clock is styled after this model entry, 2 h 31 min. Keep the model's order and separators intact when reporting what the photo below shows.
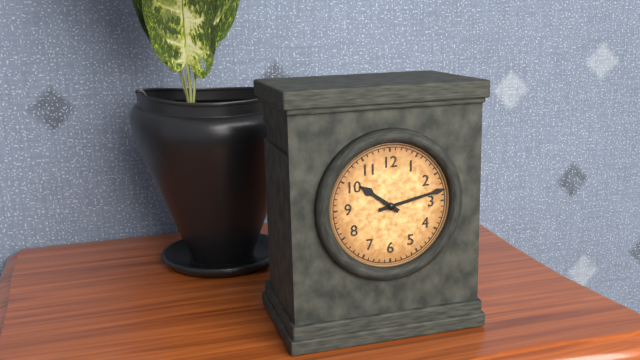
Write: 10 h 13 min
